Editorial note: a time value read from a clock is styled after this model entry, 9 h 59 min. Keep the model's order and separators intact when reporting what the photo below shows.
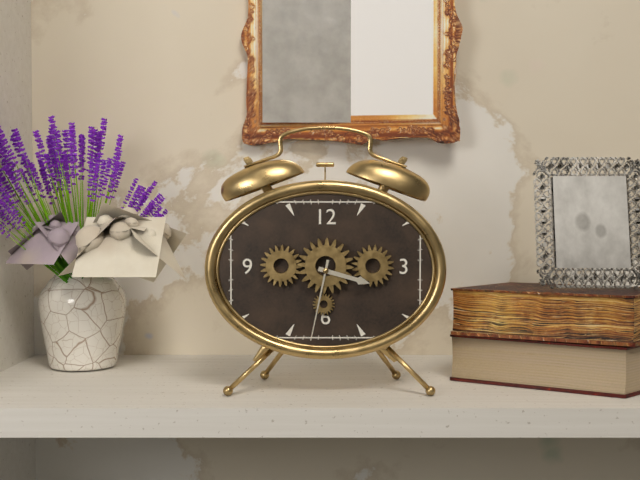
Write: 3 h 32 min
